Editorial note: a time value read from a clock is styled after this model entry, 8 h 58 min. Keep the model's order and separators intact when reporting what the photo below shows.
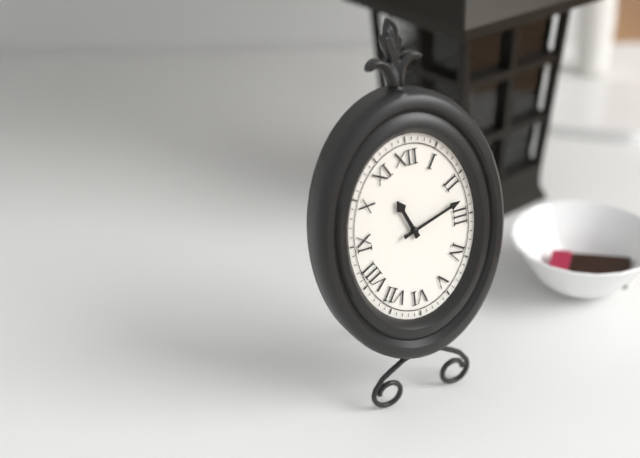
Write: 11 h 12 min
